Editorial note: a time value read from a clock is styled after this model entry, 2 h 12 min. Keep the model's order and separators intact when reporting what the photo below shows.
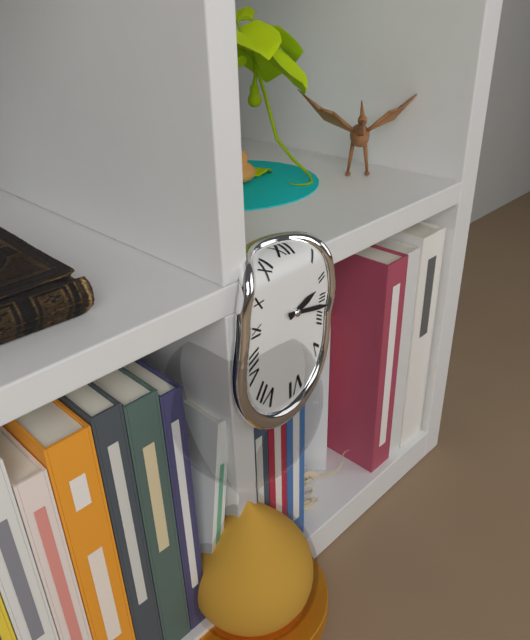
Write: 2 h 17 min
